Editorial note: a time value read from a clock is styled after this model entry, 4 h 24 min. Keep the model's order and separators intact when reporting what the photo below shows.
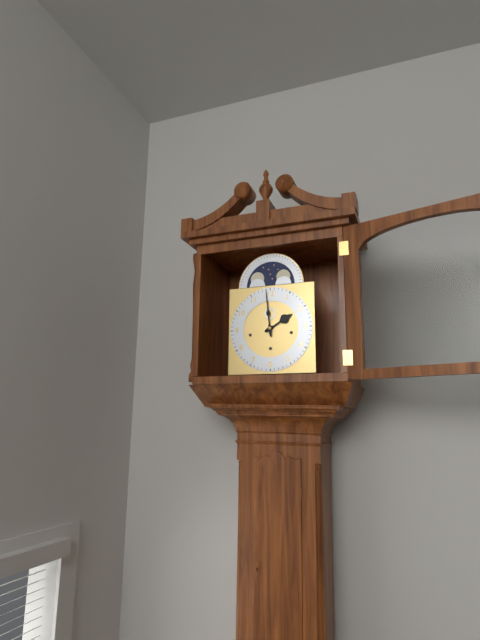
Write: 1 h 59 min
